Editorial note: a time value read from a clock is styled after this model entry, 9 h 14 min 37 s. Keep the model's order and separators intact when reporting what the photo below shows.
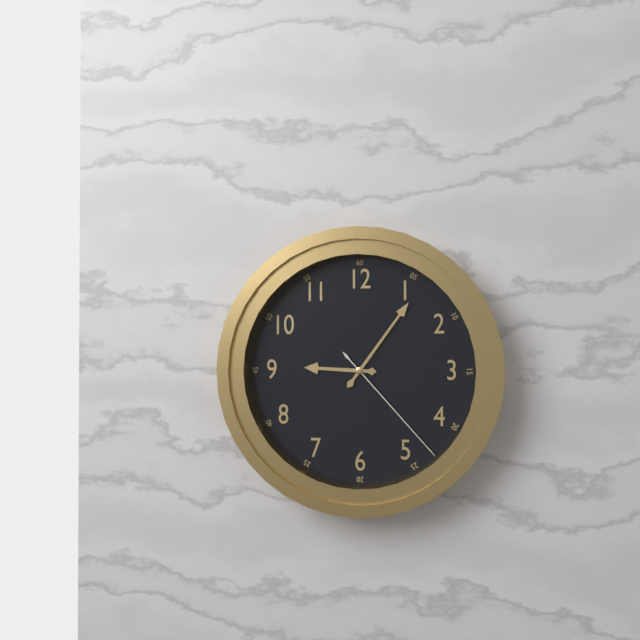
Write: 9 h 06 min 23 s
